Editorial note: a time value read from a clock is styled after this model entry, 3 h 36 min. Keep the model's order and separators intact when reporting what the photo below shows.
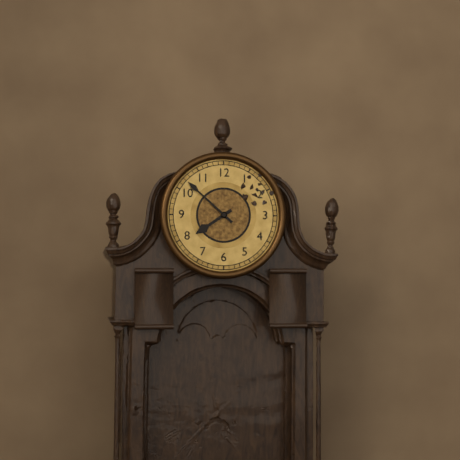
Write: 7 h 52 min
